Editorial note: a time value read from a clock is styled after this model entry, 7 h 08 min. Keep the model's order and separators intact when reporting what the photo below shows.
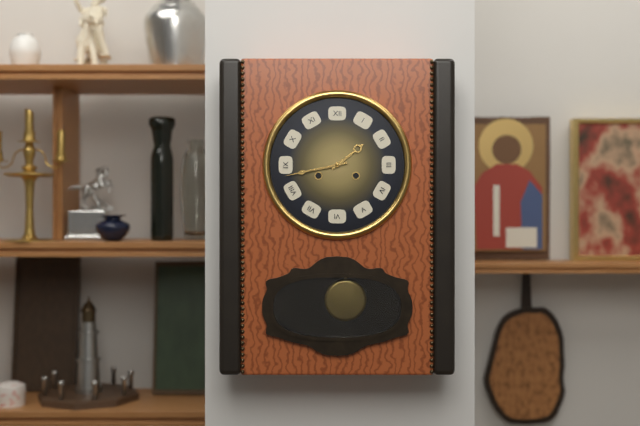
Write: 1 h 43 min
